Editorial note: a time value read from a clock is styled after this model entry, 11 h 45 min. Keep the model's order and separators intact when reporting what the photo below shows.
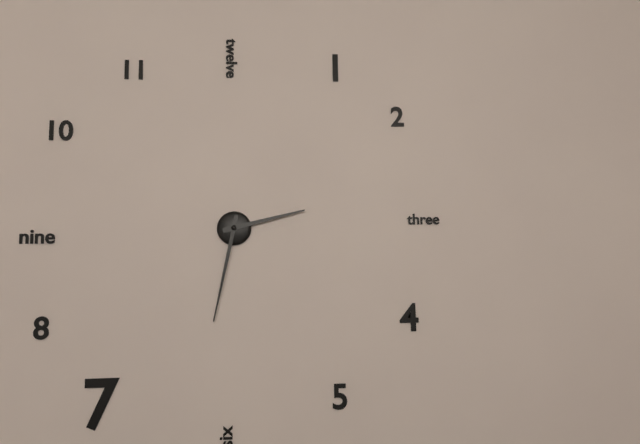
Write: 2 h 32 min
